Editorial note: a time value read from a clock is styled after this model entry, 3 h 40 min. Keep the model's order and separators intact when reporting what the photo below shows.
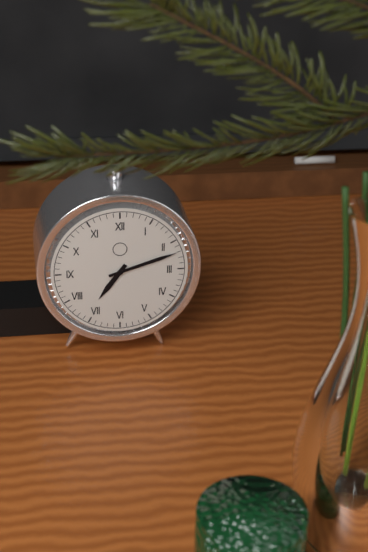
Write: 7 h 12 min
